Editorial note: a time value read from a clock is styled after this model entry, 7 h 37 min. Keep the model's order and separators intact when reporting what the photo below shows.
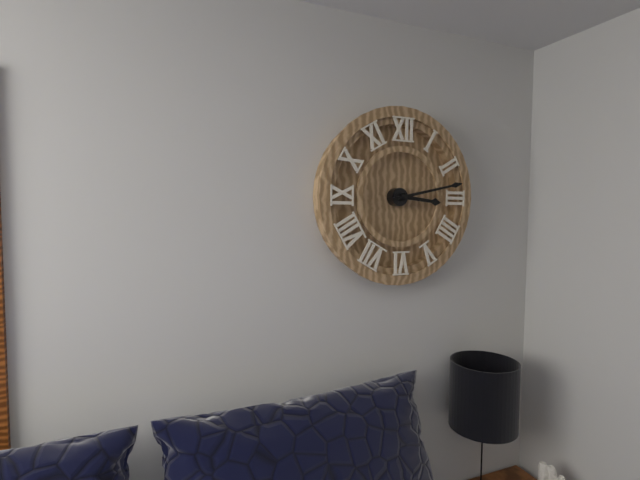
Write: 3 h 13 min
